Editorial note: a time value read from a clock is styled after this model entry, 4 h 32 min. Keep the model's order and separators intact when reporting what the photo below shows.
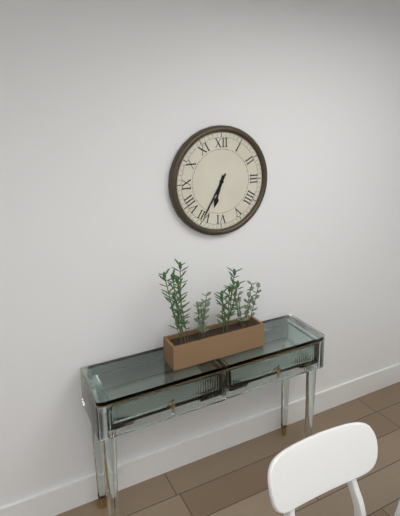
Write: 6 h 35 min
